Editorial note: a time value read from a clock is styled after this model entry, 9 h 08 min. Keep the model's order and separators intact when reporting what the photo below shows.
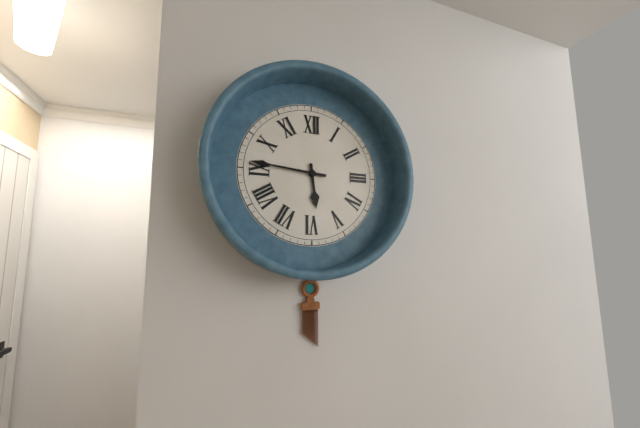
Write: 5 h 46 min
